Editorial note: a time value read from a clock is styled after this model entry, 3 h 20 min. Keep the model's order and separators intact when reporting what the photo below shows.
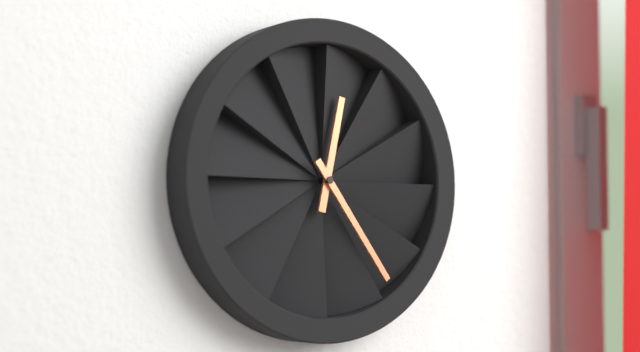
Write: 12 h 24 min
